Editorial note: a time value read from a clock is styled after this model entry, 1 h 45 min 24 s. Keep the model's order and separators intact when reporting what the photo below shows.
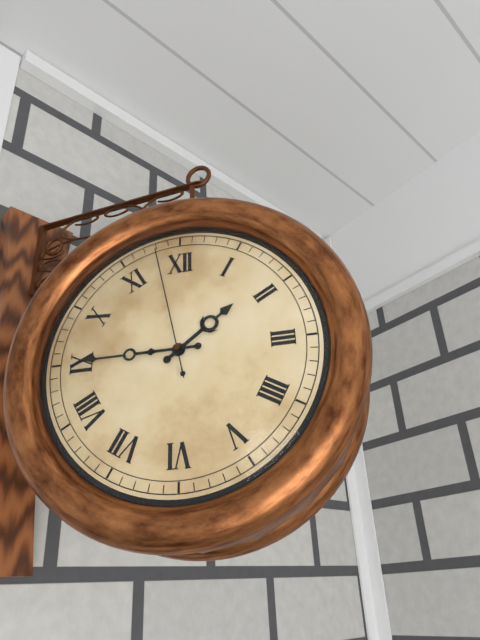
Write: 1 h 45 min 58 s
